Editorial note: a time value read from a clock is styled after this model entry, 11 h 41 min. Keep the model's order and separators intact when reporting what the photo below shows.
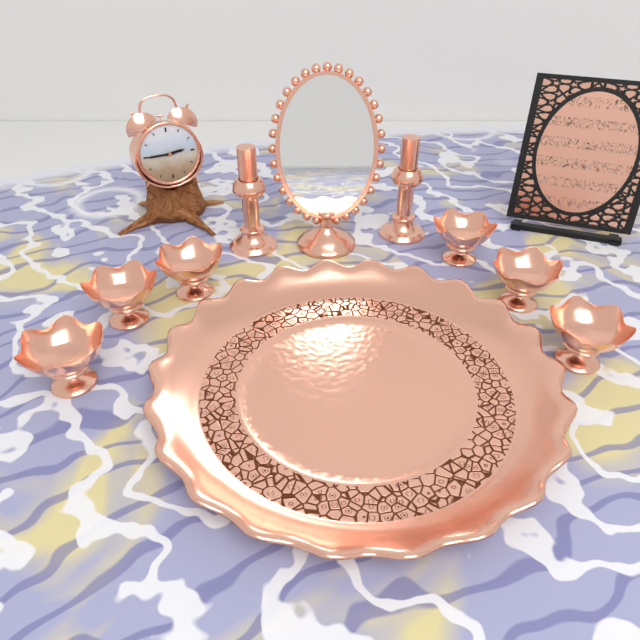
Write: 2 h 45 min
